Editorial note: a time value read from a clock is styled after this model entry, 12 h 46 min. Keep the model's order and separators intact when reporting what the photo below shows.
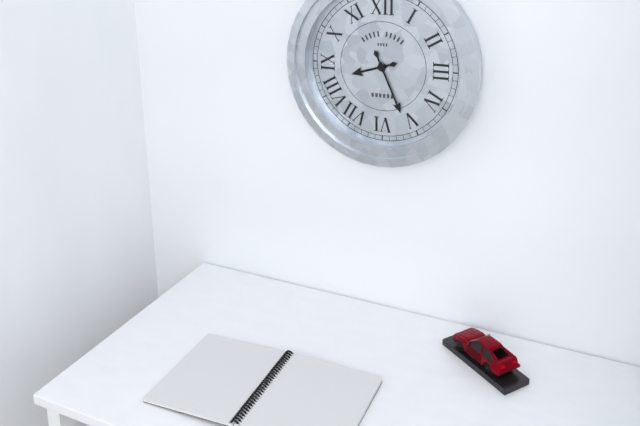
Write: 8 h 26 min
